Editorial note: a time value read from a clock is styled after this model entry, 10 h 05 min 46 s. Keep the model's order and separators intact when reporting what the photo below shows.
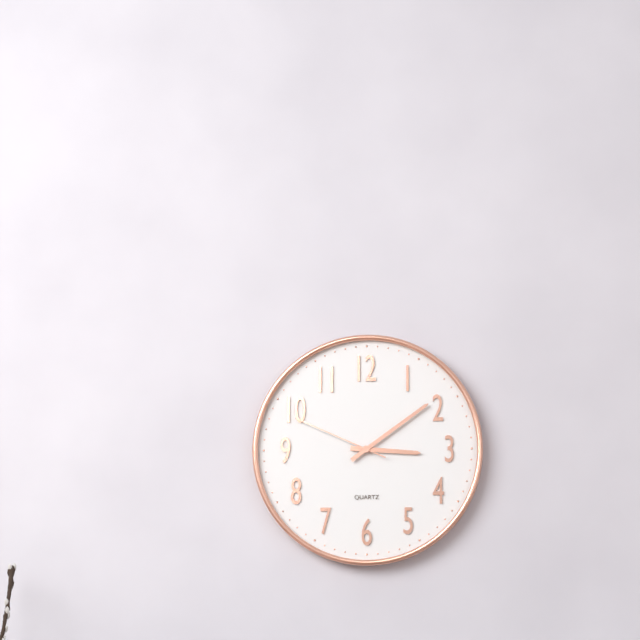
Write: 3 h 09 min 49 s
